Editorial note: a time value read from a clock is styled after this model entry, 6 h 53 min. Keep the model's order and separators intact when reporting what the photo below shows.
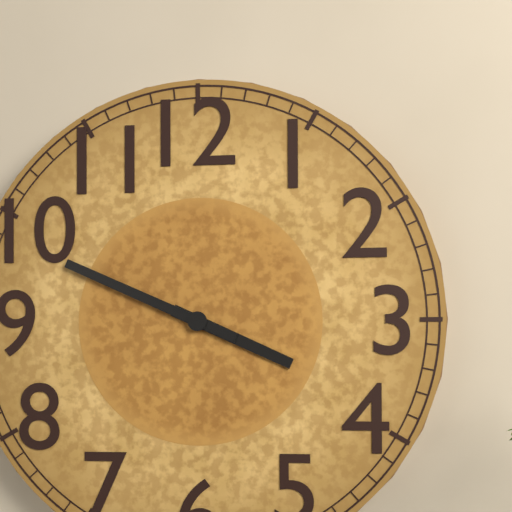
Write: 3 h 49 min
